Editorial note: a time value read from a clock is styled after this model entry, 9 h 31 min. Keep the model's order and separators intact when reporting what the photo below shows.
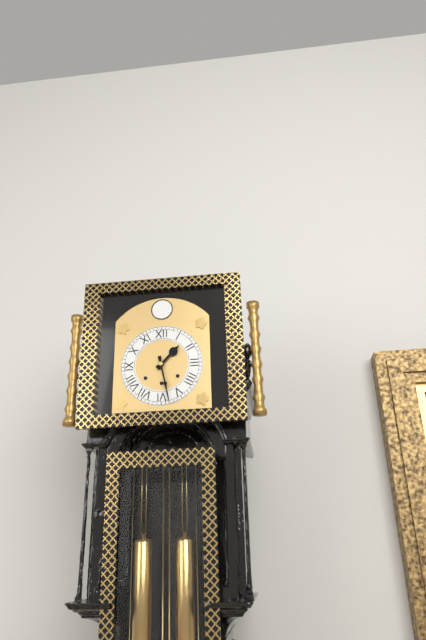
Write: 1 h 28 min
